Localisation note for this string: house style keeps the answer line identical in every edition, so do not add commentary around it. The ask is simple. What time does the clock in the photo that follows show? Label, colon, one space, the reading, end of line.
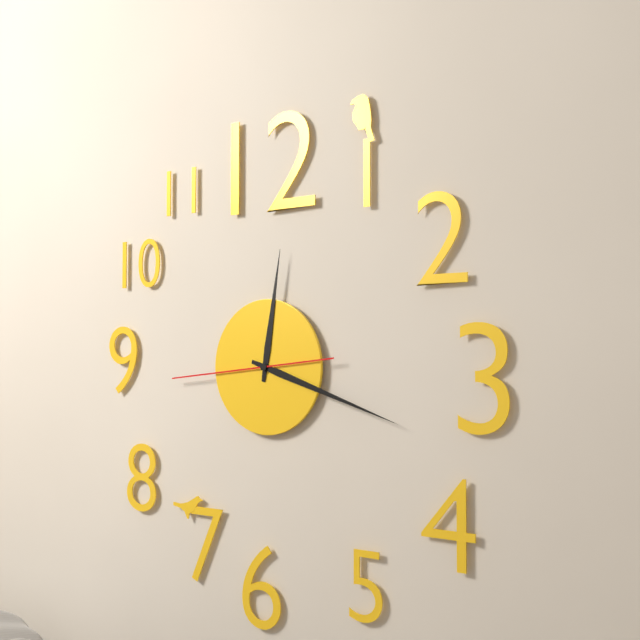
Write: 12:18:44
